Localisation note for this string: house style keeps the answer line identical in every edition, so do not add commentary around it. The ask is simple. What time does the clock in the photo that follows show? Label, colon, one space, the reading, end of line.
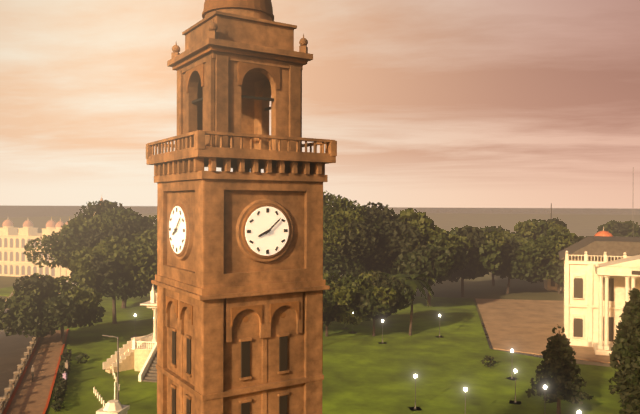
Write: 8:08
